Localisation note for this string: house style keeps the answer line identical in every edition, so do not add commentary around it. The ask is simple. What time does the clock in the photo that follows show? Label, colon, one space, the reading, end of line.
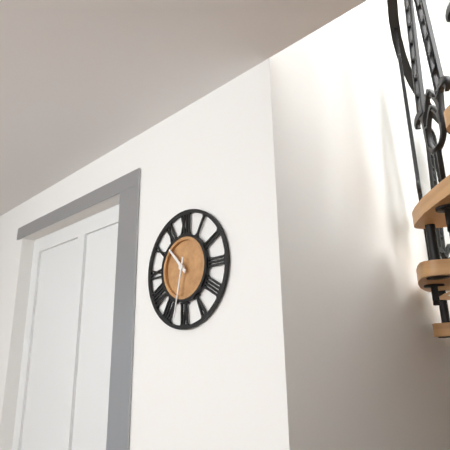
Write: 10:32
